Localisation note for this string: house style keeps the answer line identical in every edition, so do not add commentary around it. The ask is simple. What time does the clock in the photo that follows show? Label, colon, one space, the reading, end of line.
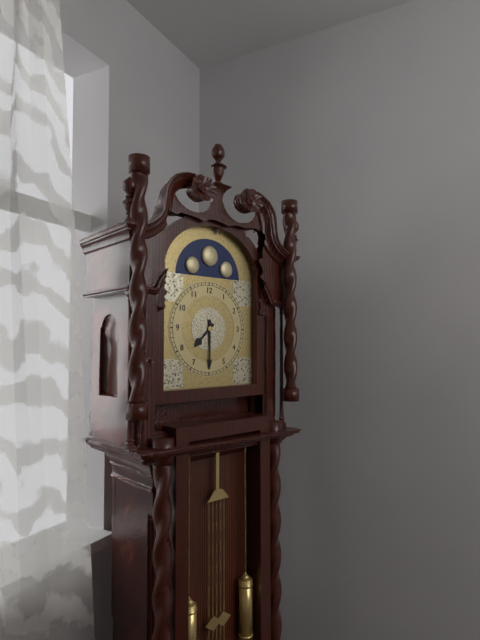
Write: 7:30
